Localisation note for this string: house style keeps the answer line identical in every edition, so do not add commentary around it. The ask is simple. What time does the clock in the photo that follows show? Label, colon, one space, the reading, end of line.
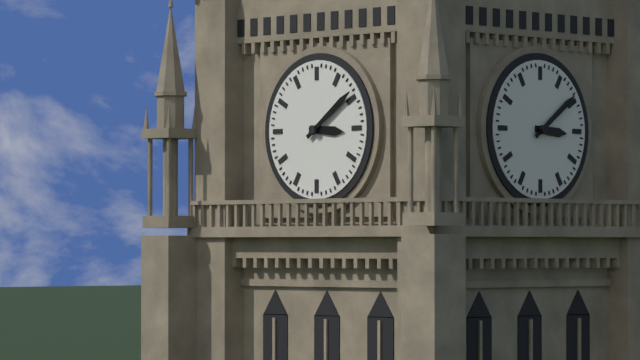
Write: 3:09
